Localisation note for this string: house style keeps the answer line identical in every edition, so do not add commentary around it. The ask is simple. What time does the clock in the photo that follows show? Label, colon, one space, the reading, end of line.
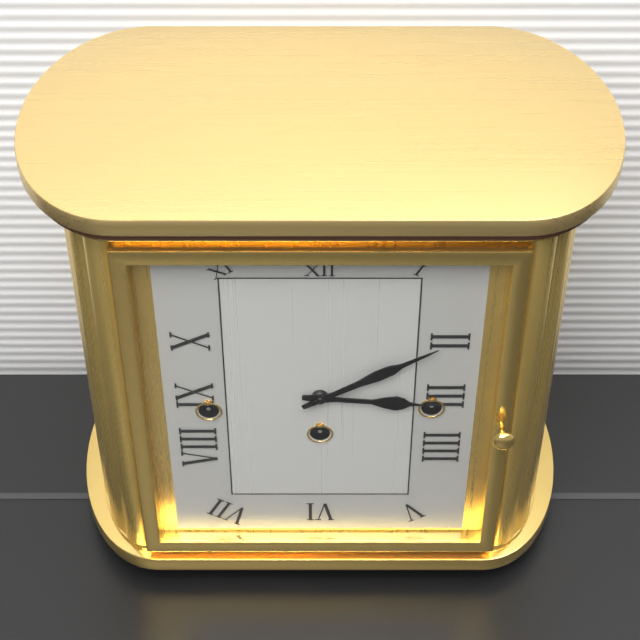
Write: 3:10
